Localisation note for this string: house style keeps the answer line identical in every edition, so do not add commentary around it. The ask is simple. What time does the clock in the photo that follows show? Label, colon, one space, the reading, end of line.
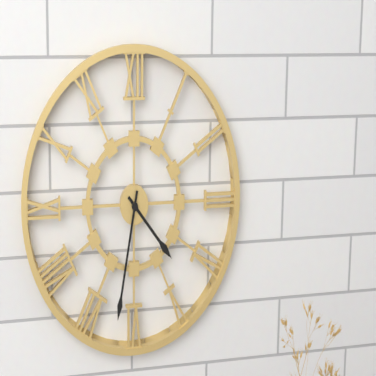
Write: 4:32
